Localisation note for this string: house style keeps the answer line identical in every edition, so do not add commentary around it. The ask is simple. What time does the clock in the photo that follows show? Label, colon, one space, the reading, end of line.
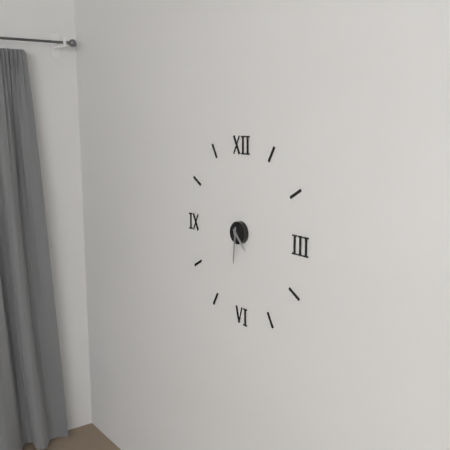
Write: 4:31
